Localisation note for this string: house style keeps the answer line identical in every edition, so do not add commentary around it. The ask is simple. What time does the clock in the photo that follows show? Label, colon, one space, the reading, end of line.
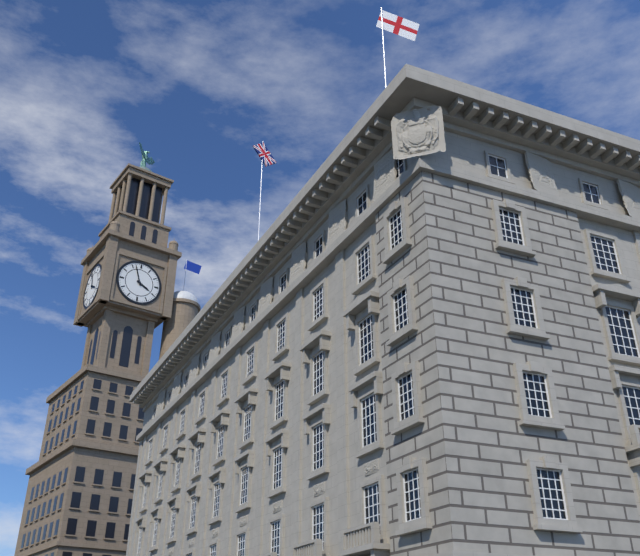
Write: 3:57
